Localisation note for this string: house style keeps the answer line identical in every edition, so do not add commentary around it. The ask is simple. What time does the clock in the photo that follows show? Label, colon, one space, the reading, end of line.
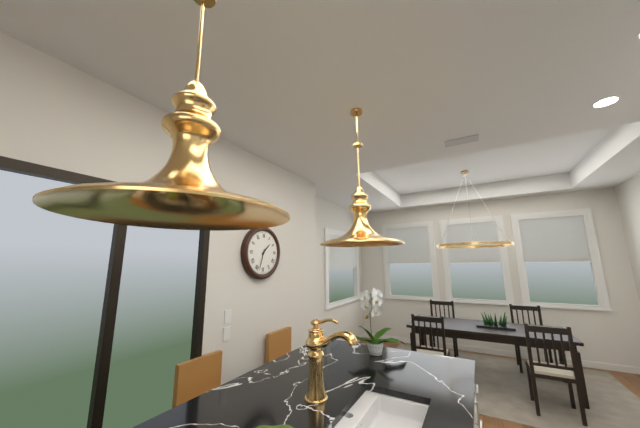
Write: 1:33
